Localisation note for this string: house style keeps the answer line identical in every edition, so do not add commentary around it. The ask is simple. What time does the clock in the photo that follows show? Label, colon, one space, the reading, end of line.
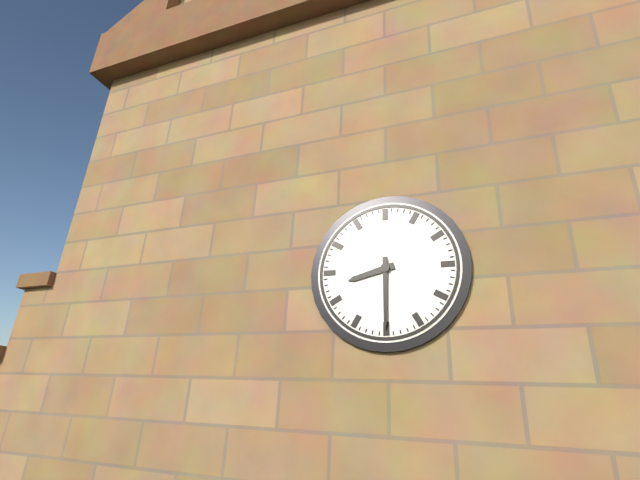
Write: 8:30
